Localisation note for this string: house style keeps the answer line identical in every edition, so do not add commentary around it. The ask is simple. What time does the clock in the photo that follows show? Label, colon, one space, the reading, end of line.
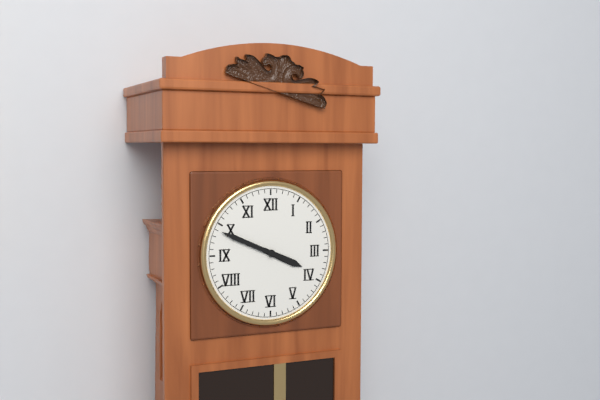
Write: 3:49
